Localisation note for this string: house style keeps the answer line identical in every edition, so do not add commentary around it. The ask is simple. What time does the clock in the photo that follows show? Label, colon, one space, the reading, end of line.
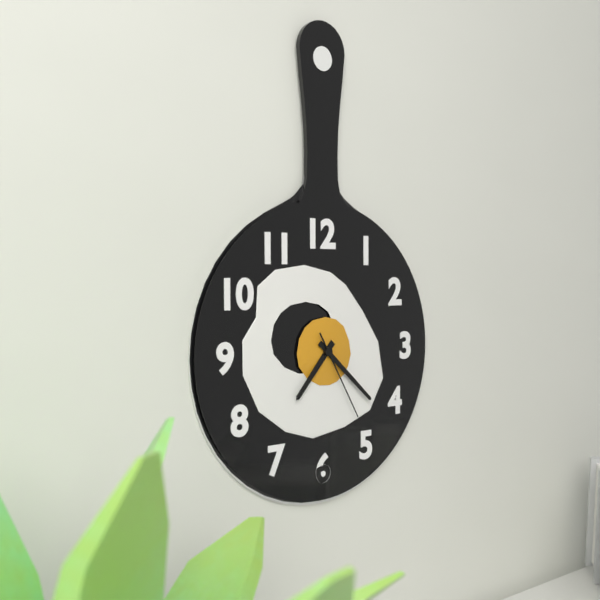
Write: 7:22:25
